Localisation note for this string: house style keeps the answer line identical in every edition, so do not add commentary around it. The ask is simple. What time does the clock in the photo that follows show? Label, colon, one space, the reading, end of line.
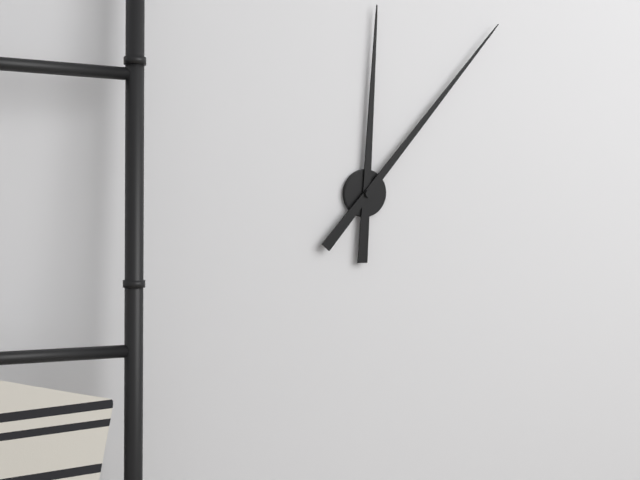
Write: 12:07
